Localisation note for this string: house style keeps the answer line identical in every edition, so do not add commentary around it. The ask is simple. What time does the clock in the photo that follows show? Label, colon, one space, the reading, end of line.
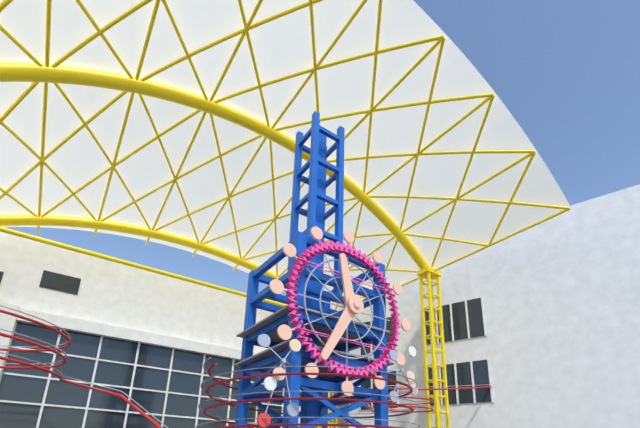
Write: 11:35
